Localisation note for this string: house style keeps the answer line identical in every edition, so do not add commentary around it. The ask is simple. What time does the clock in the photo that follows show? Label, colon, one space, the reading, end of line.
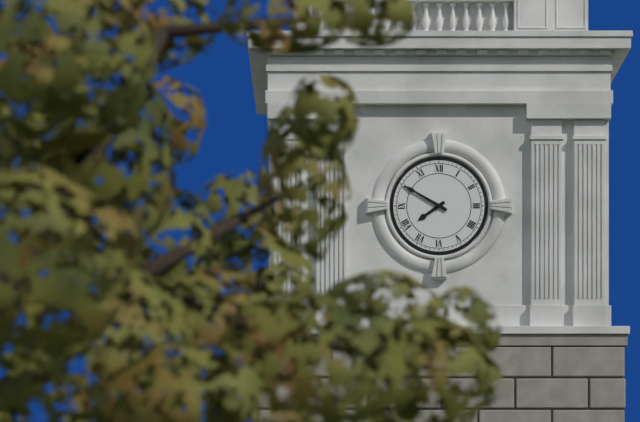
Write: 7:50
